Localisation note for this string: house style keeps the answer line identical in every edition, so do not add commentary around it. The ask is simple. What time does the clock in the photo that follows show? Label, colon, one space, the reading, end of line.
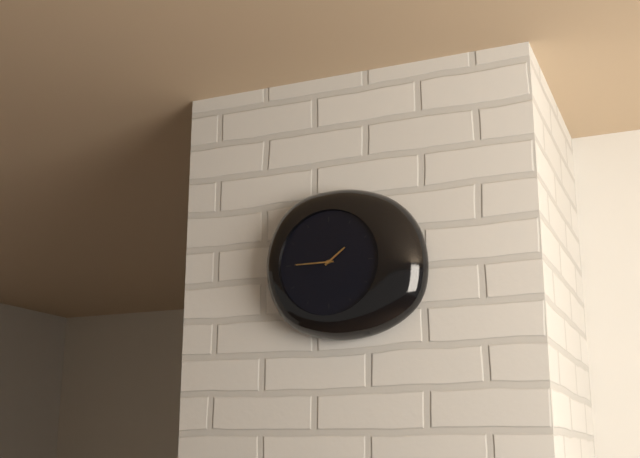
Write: 1:45
